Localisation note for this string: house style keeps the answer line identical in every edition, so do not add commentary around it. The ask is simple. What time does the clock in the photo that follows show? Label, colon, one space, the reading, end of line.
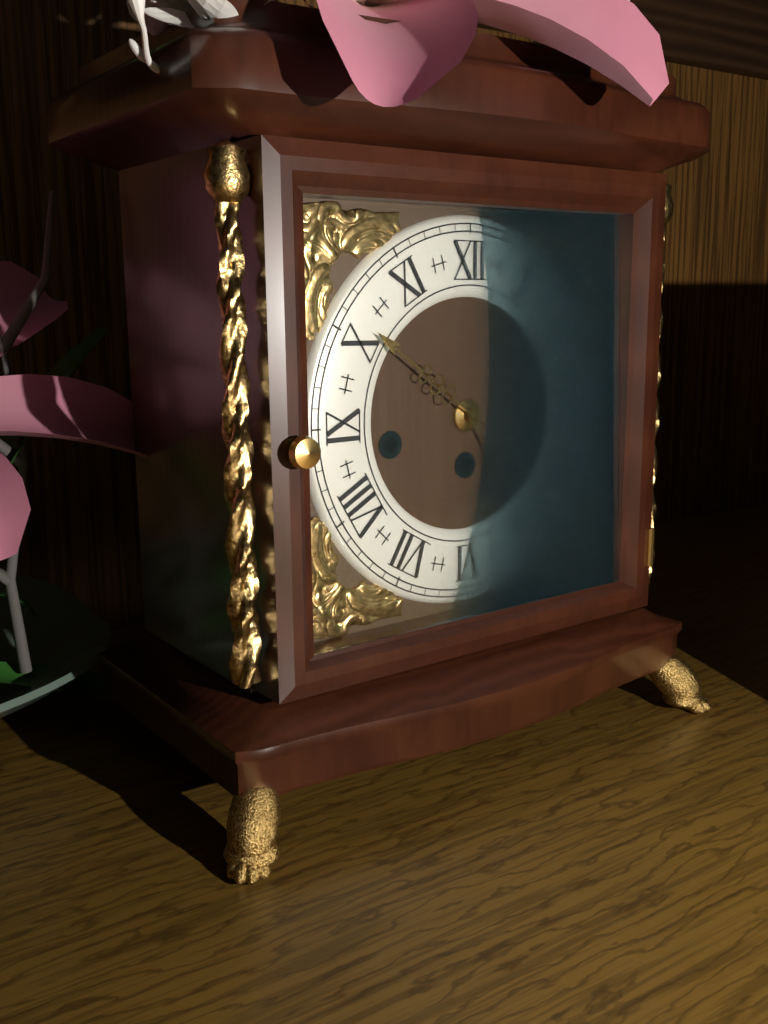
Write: 4:51
